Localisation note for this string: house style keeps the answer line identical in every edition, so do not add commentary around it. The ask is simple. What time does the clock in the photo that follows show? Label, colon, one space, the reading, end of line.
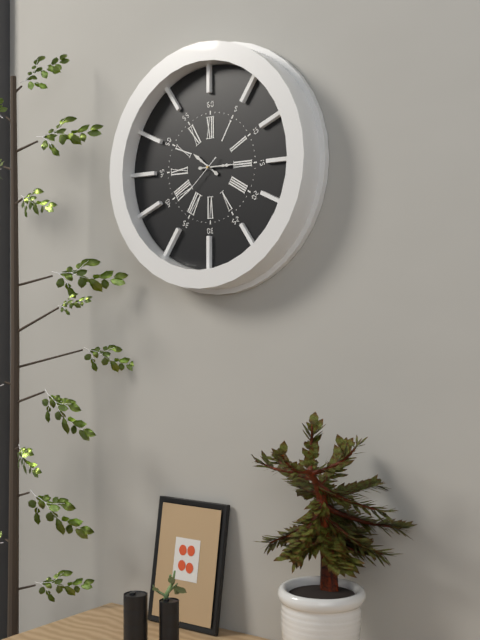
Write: 10:15
